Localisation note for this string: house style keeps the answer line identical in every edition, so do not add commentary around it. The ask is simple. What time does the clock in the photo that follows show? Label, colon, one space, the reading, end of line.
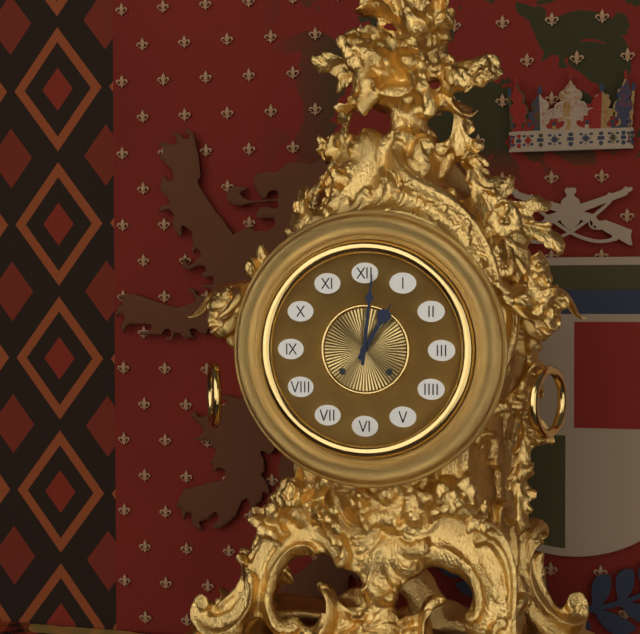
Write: 1:01
